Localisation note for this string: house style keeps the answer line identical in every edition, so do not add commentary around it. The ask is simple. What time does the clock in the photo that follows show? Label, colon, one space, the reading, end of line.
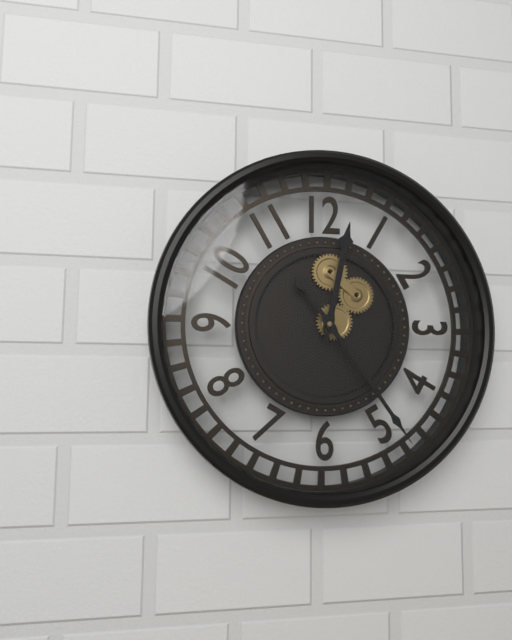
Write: 12:24
